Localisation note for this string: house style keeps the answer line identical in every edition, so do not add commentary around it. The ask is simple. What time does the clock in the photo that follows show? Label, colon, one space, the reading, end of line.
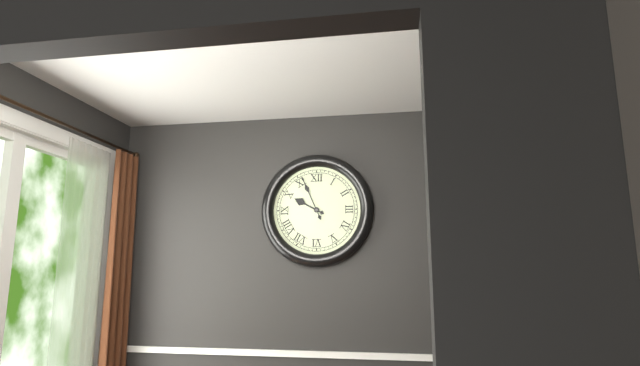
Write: 9:56
